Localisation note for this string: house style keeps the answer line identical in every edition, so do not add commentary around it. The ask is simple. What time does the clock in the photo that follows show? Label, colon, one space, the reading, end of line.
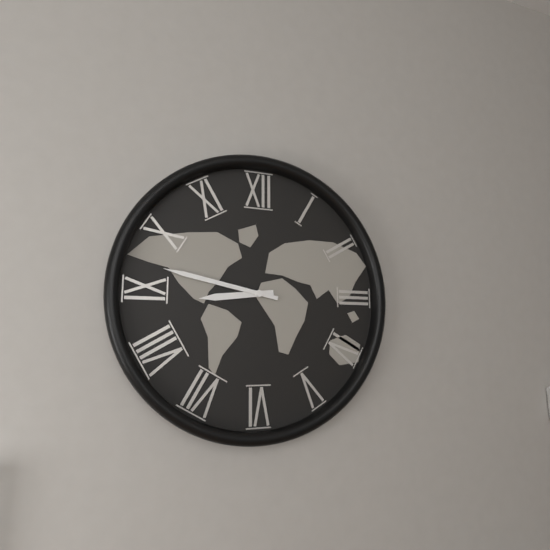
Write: 8:47
